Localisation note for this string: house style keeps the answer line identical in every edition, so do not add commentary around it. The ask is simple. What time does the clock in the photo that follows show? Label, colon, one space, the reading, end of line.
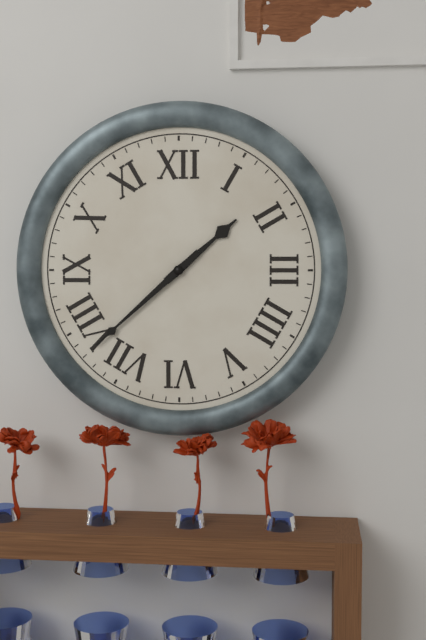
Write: 1:38
